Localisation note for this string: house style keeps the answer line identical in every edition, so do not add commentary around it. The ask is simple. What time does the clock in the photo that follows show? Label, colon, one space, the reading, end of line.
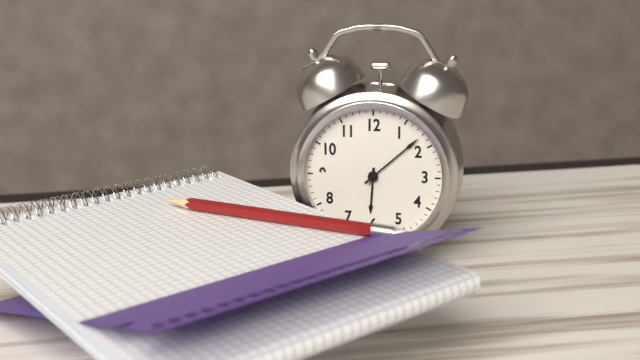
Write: 6:08
